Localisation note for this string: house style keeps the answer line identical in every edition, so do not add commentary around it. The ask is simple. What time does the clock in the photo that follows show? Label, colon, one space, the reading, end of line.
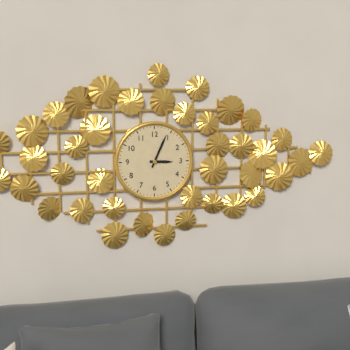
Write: 3:04
